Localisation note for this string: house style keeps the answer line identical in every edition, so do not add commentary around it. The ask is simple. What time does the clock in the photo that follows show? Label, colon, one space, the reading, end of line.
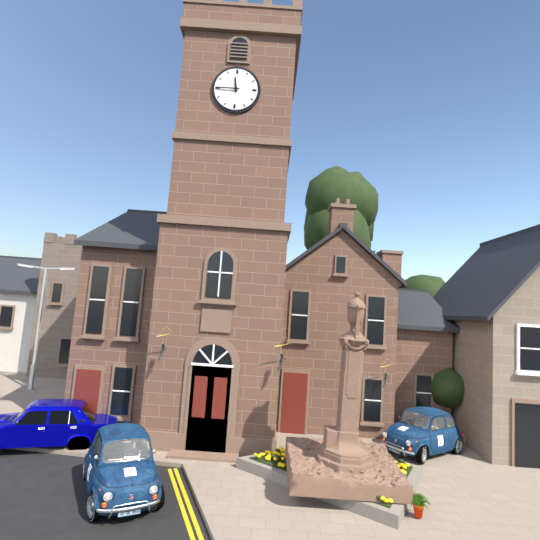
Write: 11:45
